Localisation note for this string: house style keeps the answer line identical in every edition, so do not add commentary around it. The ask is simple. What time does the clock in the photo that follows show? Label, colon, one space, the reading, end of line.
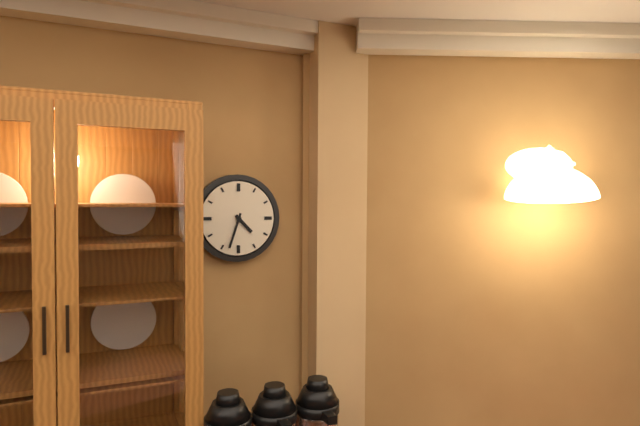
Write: 4:33
